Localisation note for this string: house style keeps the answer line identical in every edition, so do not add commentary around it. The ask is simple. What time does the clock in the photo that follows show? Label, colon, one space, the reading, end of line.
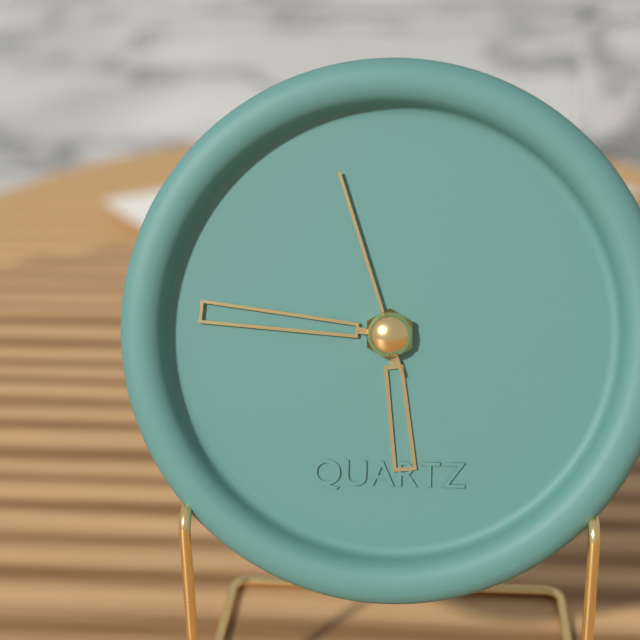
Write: 5:46:57
